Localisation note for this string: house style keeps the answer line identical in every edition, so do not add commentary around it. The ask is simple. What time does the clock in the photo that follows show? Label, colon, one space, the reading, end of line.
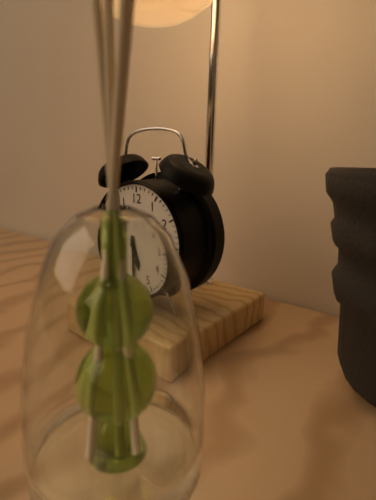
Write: 5:30
